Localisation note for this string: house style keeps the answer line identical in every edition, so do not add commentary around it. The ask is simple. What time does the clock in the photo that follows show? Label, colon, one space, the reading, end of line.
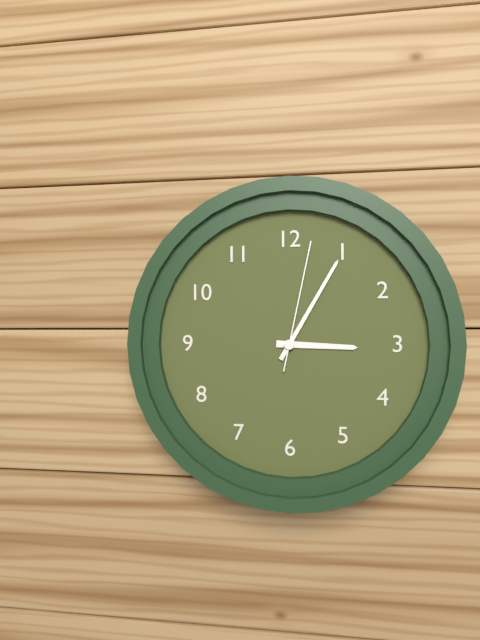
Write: 3:05:02
